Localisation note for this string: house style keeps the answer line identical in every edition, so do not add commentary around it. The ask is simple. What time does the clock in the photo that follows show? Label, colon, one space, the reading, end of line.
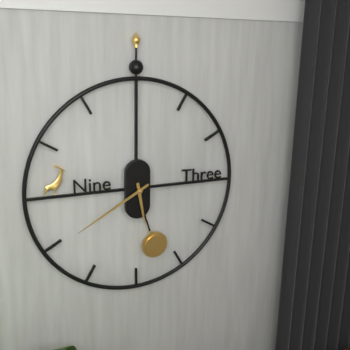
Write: 5:40
